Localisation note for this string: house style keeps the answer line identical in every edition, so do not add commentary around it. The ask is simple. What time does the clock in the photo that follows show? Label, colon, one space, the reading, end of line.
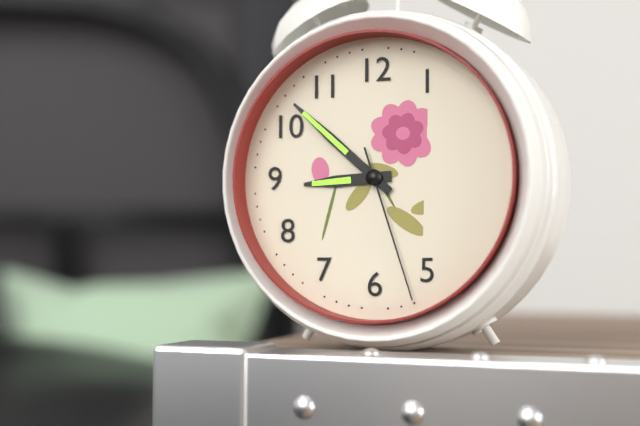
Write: 8:52:27
